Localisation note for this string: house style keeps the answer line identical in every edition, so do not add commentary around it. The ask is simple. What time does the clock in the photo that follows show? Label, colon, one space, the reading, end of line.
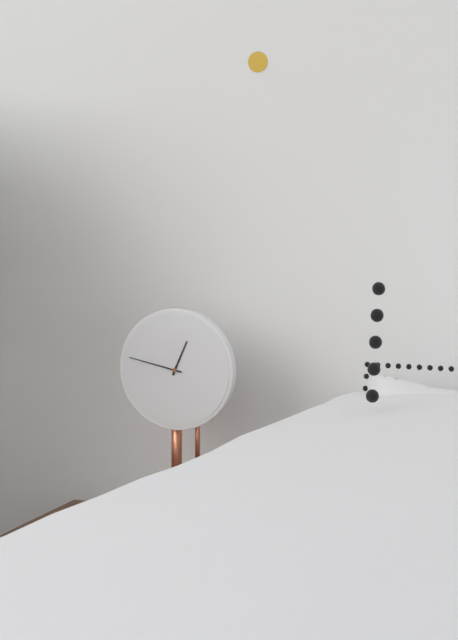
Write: 12:47
